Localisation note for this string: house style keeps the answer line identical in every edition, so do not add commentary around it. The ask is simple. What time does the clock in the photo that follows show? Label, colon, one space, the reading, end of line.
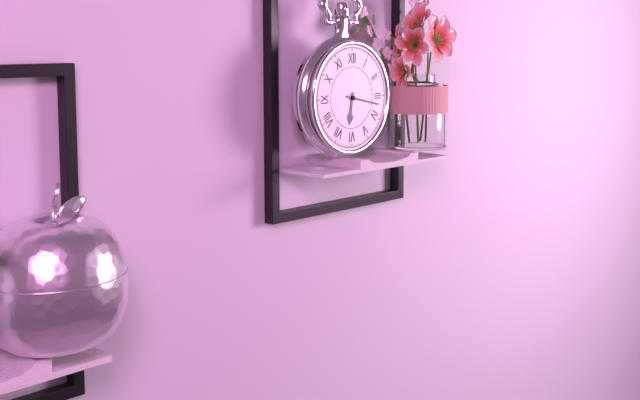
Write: 6:17
